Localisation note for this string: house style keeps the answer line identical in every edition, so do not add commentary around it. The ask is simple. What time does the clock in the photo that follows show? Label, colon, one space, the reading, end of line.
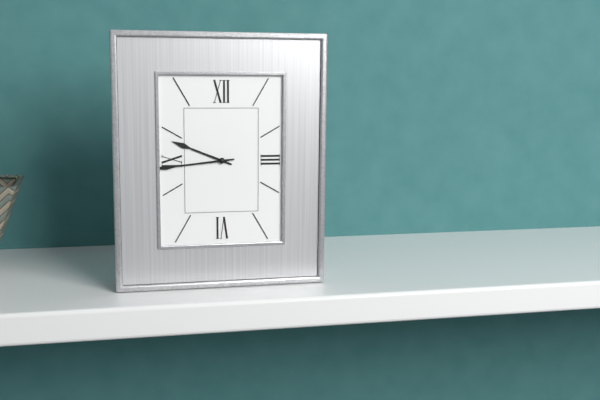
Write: 9:44
